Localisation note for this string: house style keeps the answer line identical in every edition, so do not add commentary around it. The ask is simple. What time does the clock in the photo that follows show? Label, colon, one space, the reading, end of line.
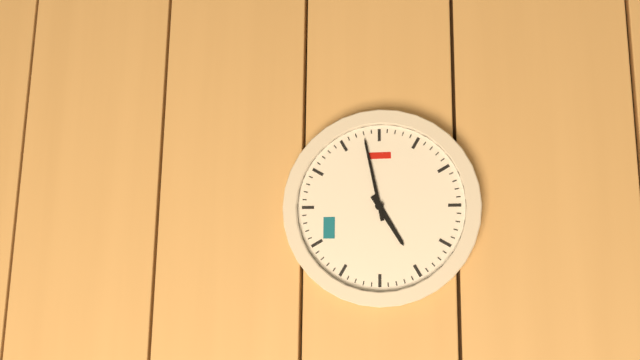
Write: 4:58
